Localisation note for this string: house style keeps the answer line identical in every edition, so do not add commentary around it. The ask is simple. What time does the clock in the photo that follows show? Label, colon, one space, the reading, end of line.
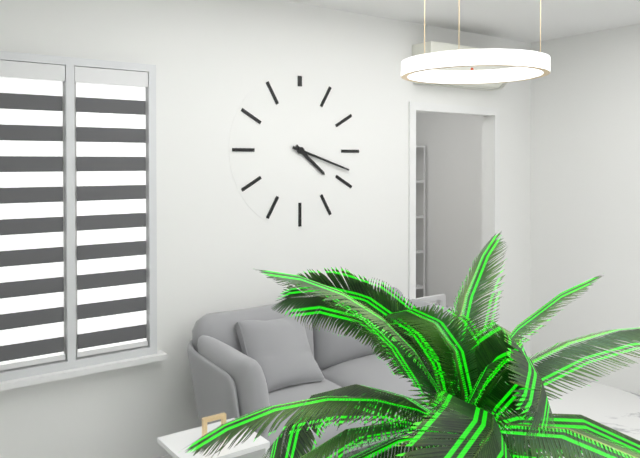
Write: 4:18
